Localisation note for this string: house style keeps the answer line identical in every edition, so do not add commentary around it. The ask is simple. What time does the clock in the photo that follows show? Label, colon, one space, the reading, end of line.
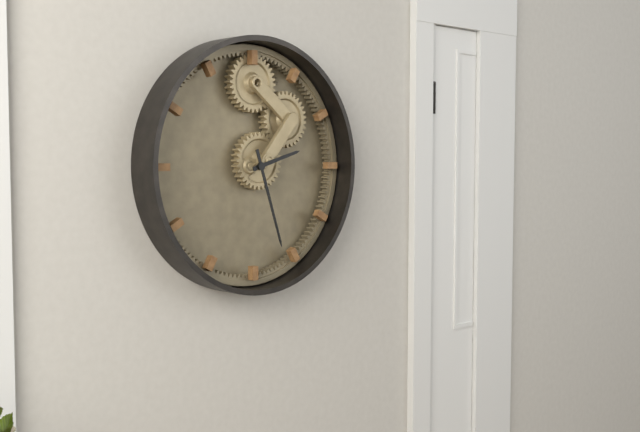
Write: 2:27
